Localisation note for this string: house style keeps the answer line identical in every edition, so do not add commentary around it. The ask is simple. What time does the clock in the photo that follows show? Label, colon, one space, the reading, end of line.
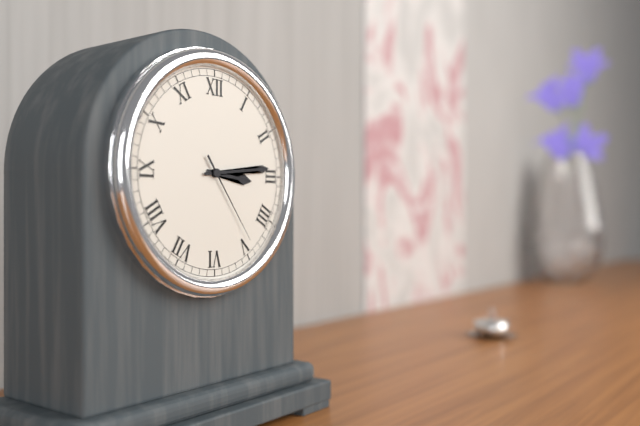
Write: 3:14:24
